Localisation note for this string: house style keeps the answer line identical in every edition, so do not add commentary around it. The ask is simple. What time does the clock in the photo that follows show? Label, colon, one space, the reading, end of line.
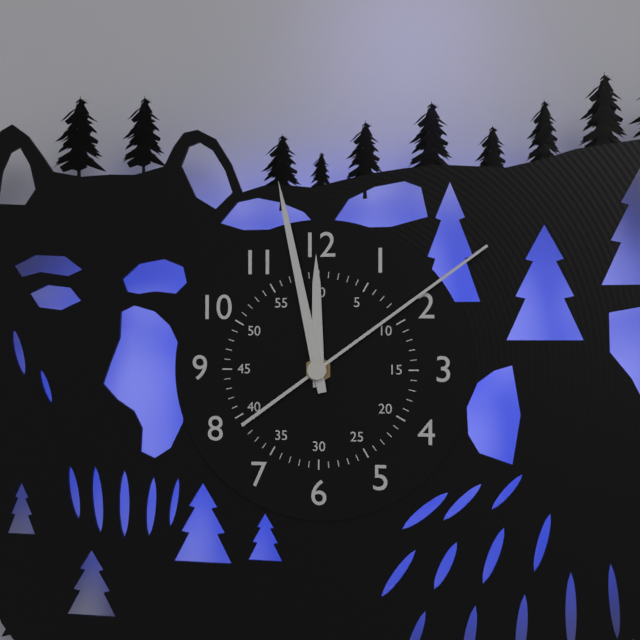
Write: 11:58:09
